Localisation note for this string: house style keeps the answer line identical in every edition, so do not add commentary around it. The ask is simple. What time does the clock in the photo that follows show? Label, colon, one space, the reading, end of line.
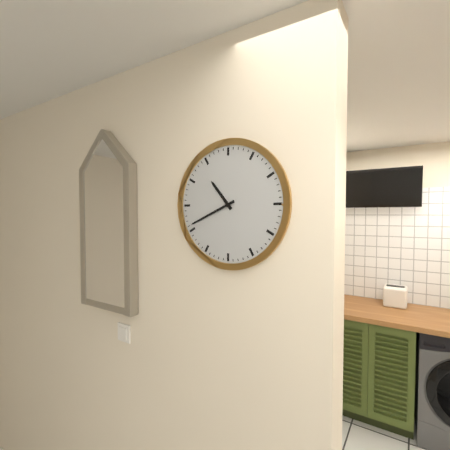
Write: 10:41
